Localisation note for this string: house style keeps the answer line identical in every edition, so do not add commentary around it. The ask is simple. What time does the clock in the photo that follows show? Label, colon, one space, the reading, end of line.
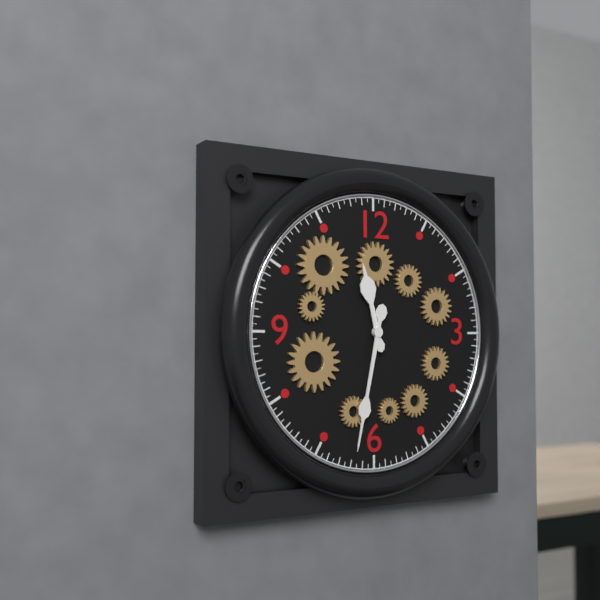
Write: 11:32
